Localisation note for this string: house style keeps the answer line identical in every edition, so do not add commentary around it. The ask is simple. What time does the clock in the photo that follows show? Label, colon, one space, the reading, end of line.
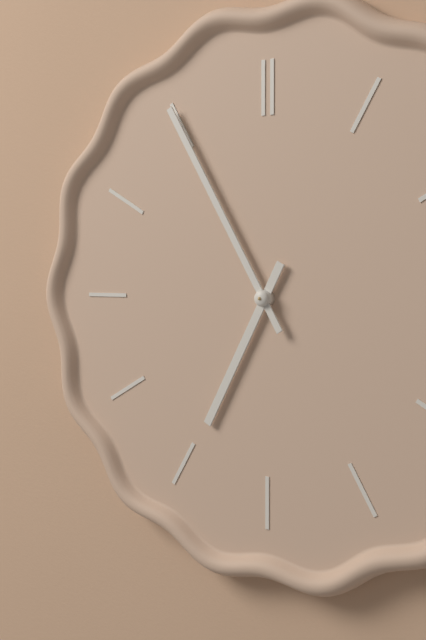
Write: 6:55
